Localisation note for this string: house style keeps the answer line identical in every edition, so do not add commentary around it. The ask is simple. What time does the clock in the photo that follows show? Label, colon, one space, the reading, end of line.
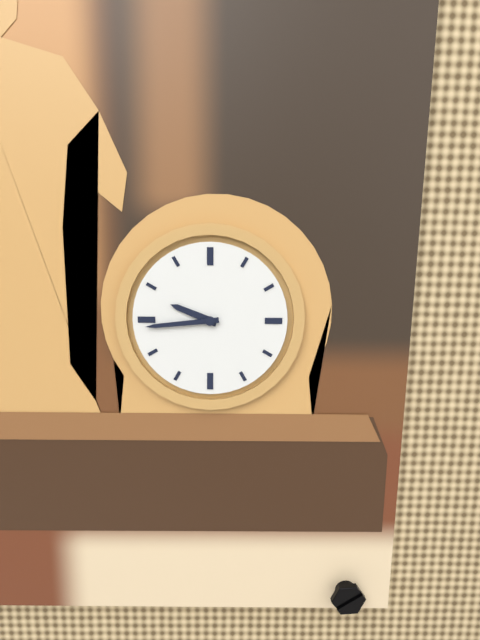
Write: 9:44
